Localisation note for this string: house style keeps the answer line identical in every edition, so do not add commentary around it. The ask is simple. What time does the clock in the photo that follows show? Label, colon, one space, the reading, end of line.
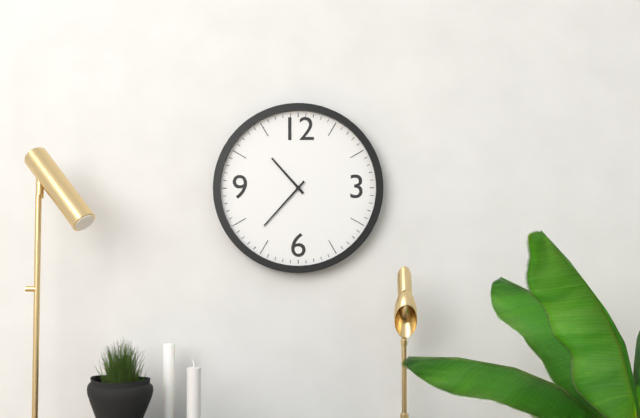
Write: 10:37
